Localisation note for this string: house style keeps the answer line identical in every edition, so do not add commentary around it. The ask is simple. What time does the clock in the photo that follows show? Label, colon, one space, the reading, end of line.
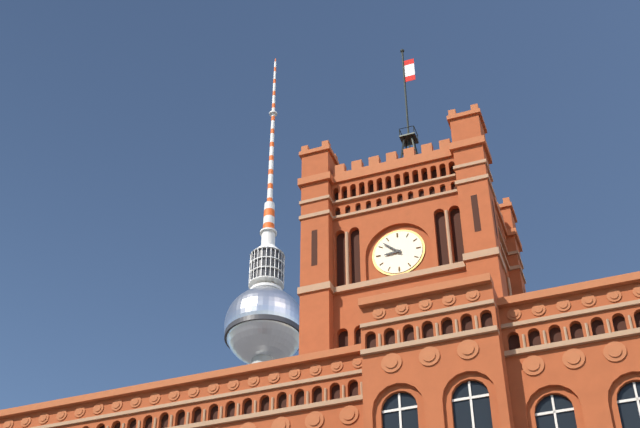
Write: 8:52
